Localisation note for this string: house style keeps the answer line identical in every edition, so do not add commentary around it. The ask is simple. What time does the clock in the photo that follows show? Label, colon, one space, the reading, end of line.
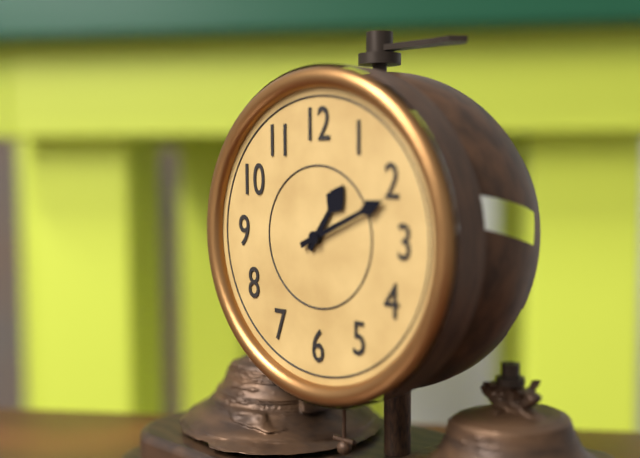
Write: 1:11
